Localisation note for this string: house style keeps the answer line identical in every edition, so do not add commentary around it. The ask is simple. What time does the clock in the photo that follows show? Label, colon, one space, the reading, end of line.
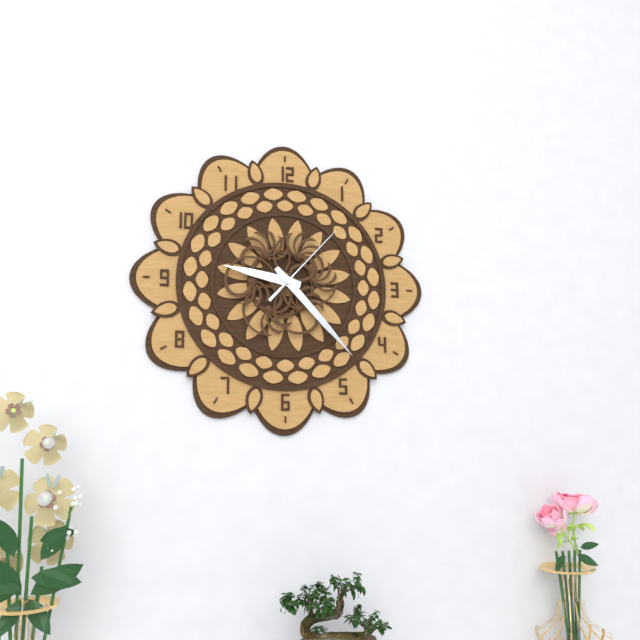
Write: 9:23:07
